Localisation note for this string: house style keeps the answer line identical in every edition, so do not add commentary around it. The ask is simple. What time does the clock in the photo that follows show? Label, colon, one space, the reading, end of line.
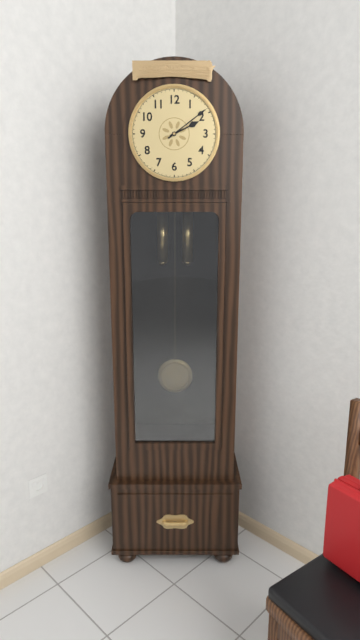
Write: 2:09
